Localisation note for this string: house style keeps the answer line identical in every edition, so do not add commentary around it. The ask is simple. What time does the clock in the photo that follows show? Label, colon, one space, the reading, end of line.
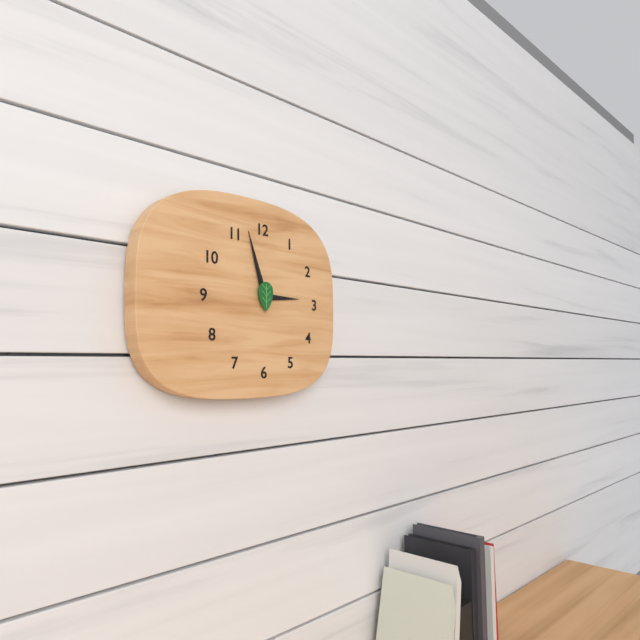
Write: 2:57
